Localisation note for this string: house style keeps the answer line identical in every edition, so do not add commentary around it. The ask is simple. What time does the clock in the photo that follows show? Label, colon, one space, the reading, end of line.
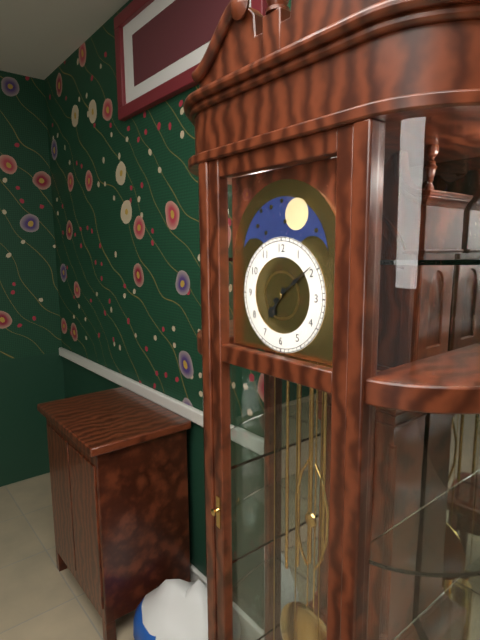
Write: 7:09
